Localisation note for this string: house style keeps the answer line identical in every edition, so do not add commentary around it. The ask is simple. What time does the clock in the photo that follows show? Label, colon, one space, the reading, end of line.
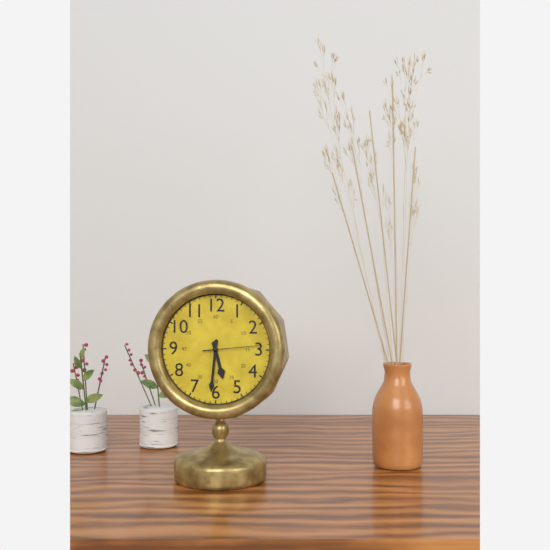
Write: 5:31:14
